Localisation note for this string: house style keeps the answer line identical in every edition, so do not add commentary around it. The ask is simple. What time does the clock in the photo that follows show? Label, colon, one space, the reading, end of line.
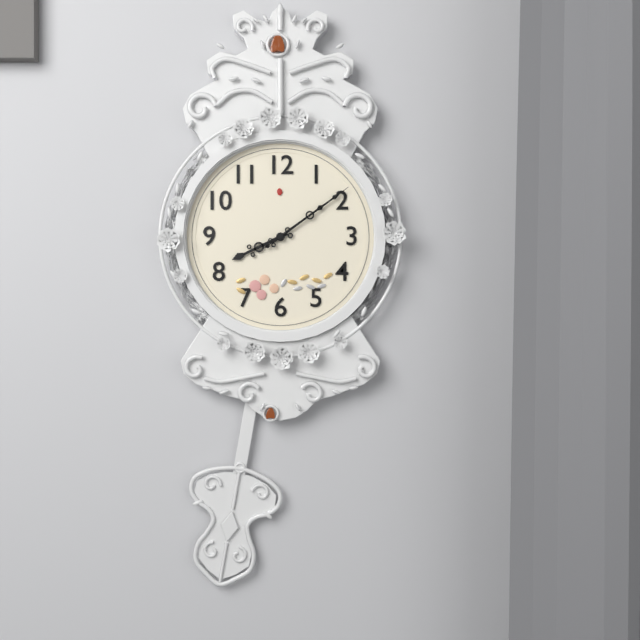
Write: 8:09:09
